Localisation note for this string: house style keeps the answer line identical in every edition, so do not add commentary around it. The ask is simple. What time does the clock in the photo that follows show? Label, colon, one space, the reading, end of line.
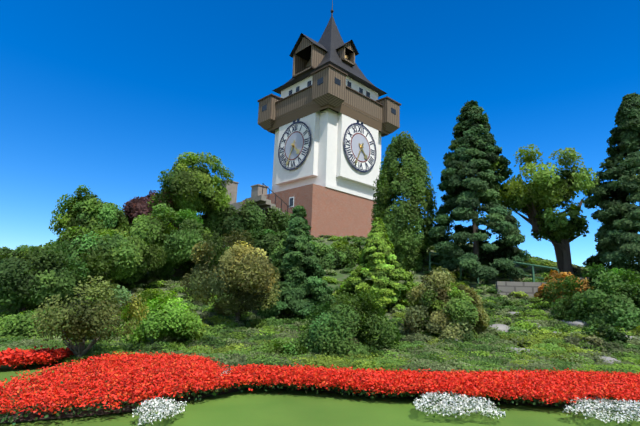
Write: 4:34
